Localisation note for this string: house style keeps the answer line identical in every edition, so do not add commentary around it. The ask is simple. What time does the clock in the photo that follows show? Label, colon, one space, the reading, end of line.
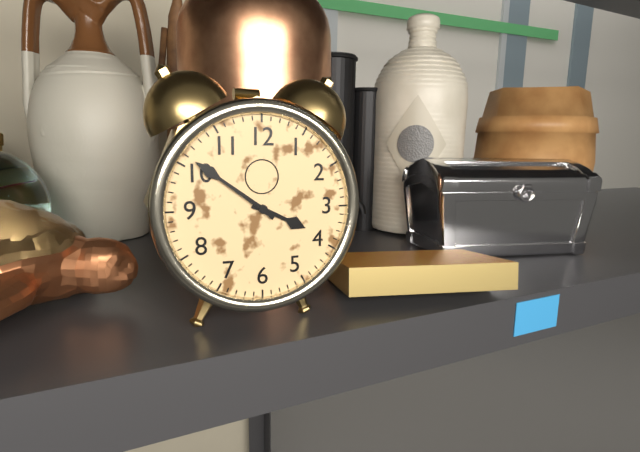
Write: 3:51
